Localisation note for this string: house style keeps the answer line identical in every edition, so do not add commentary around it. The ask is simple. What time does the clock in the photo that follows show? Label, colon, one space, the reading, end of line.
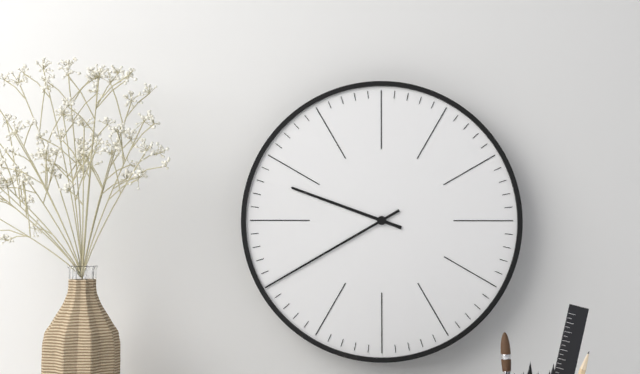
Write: 9:40
